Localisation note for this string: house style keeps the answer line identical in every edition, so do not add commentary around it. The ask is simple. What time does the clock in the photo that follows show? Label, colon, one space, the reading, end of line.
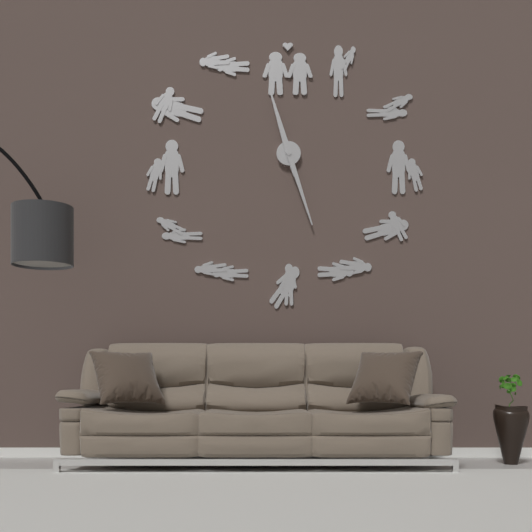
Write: 11:27
